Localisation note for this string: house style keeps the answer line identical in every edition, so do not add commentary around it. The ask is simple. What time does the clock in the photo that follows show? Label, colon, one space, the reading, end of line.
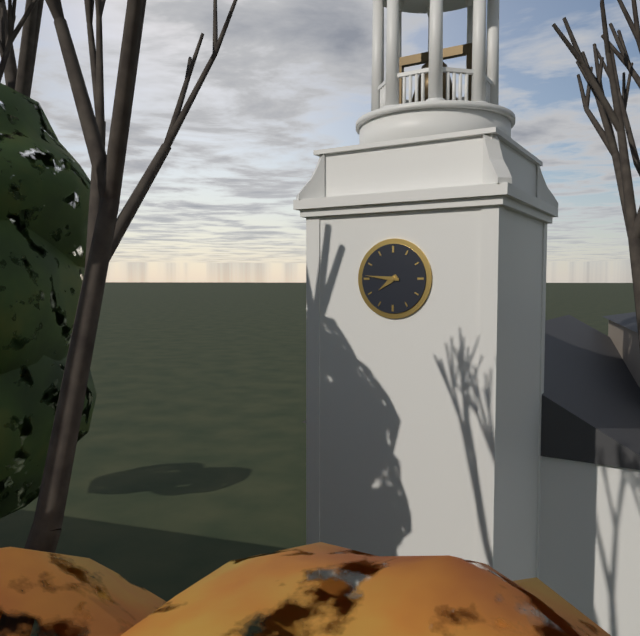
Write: 7:46
